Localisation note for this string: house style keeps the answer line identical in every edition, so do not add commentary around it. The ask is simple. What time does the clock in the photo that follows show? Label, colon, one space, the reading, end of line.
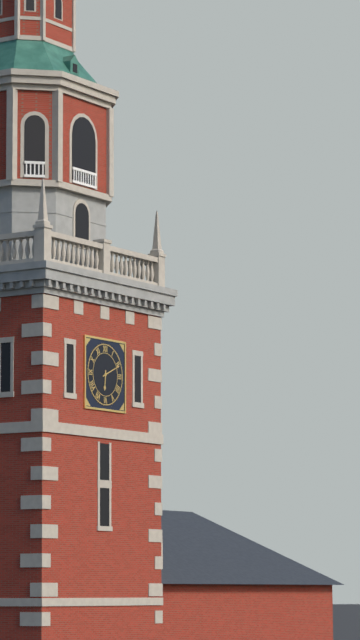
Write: 6:11
